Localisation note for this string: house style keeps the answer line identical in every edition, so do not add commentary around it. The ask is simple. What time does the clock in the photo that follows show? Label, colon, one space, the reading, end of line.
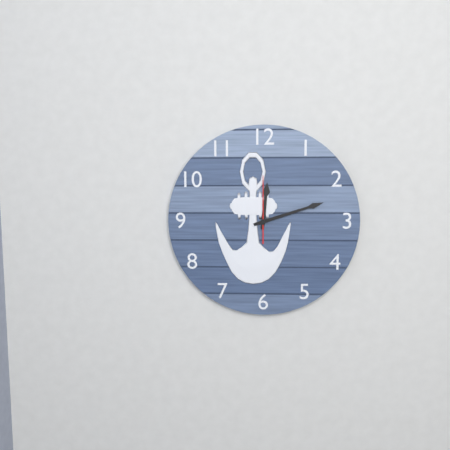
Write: 12:12:00
